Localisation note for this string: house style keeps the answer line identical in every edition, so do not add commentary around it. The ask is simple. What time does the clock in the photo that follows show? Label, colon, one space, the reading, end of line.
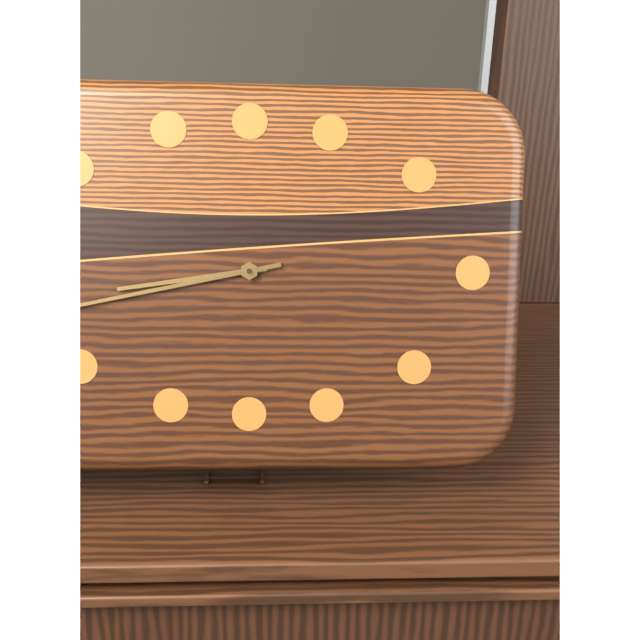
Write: 8:43
